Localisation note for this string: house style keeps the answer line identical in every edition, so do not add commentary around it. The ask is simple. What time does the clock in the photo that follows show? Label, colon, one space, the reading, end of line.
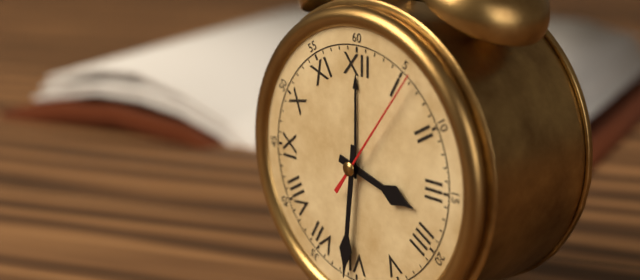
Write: 3:31:06
